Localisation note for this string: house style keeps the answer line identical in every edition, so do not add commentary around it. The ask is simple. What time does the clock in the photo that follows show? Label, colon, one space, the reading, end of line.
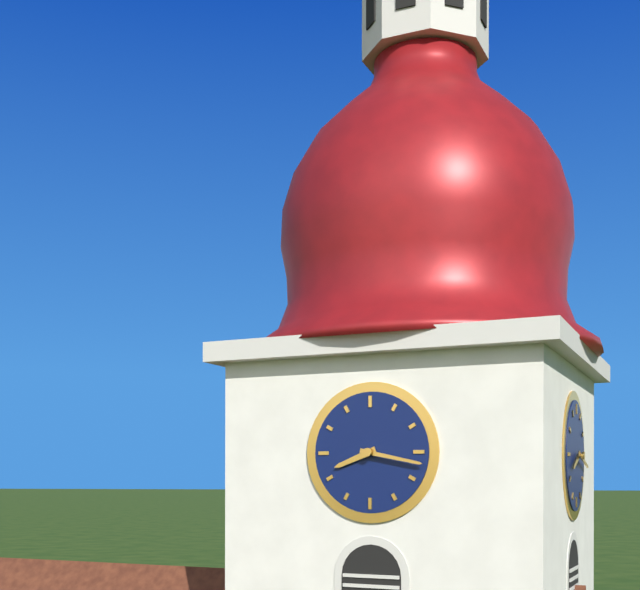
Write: 8:17
